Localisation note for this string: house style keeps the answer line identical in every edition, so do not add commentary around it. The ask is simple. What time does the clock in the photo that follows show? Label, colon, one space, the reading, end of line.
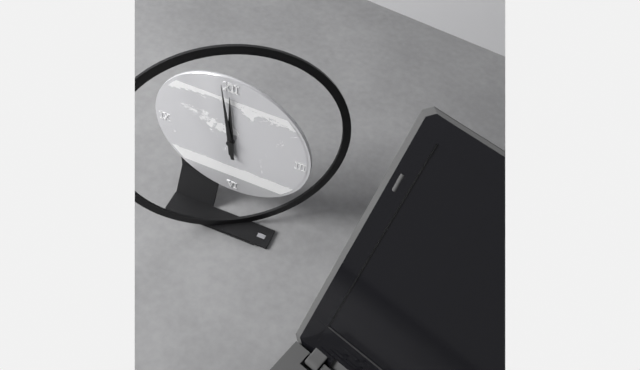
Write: 11:59
